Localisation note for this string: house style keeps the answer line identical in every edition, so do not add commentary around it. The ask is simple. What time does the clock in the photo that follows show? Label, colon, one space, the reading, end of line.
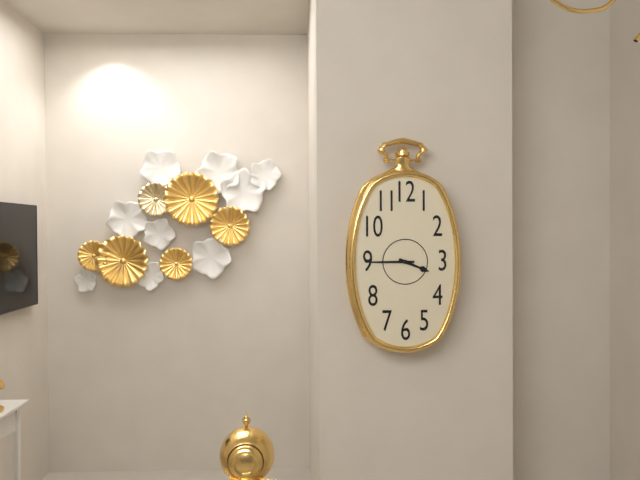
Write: 3:45
